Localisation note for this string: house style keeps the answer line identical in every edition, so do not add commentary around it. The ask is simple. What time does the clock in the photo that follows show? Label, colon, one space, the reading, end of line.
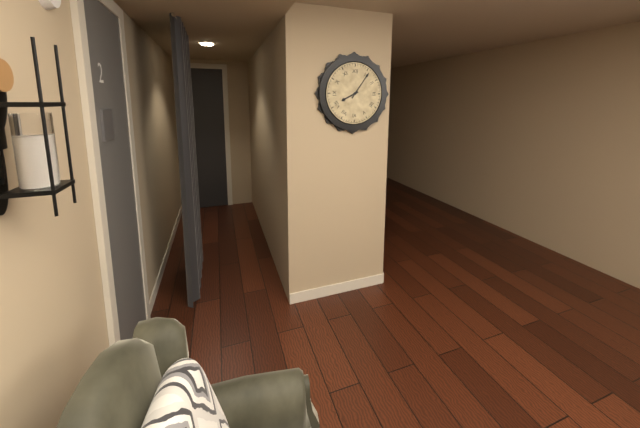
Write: 8:06
